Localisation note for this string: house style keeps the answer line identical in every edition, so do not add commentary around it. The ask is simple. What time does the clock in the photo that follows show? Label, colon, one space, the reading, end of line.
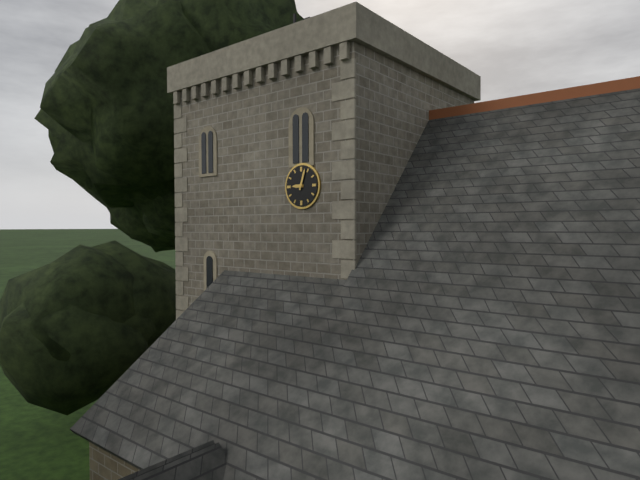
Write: 9:03
